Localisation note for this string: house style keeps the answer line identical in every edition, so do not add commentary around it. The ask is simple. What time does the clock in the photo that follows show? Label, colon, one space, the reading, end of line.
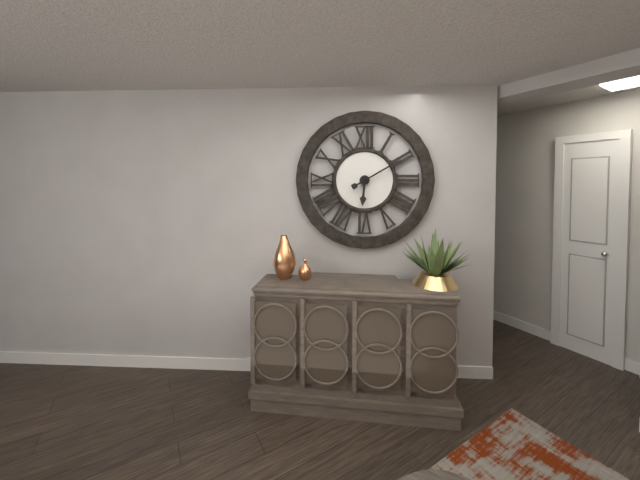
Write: 6:10
